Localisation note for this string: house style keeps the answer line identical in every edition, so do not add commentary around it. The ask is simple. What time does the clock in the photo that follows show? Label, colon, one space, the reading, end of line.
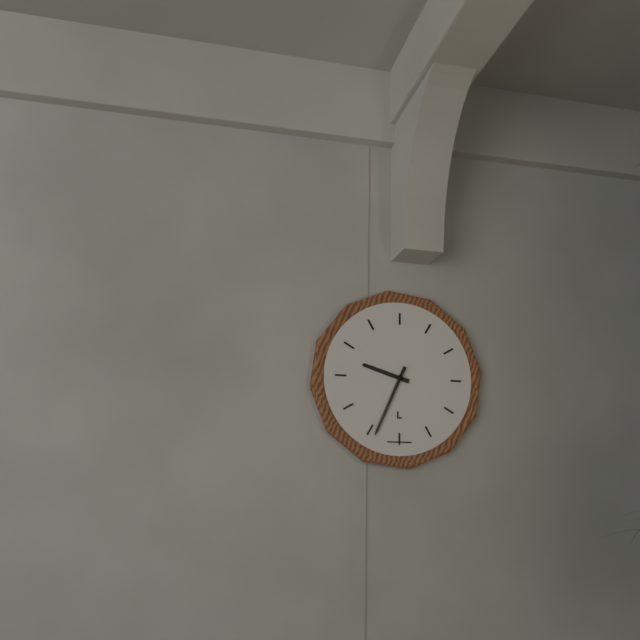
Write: 9:34
